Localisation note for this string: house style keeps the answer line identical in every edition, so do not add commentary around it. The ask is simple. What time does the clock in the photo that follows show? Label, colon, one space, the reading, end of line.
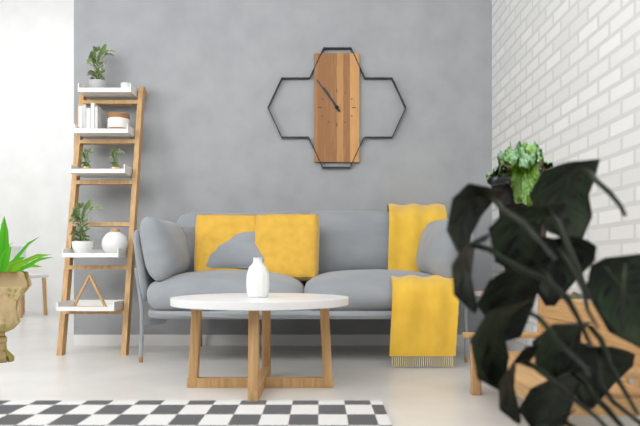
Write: 10:54
